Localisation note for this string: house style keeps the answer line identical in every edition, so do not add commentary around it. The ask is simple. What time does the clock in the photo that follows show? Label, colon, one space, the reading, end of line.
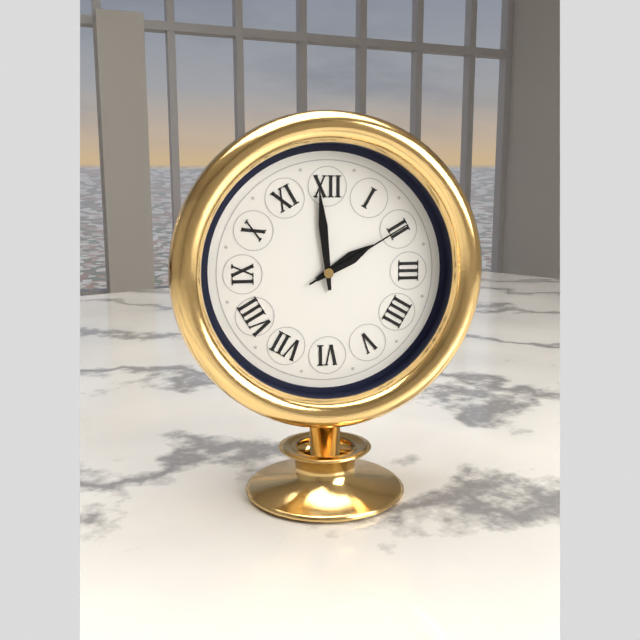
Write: 1:59:10
